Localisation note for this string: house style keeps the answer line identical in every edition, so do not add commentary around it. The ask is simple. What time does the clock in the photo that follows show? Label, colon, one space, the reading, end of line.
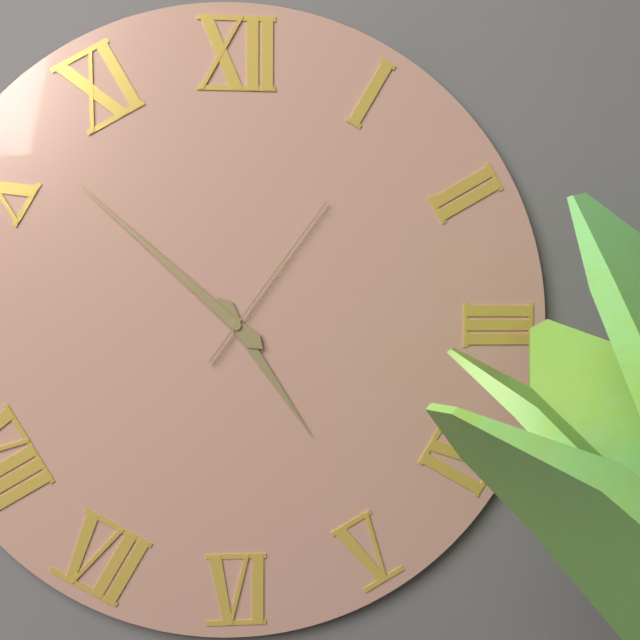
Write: 4:52:06
